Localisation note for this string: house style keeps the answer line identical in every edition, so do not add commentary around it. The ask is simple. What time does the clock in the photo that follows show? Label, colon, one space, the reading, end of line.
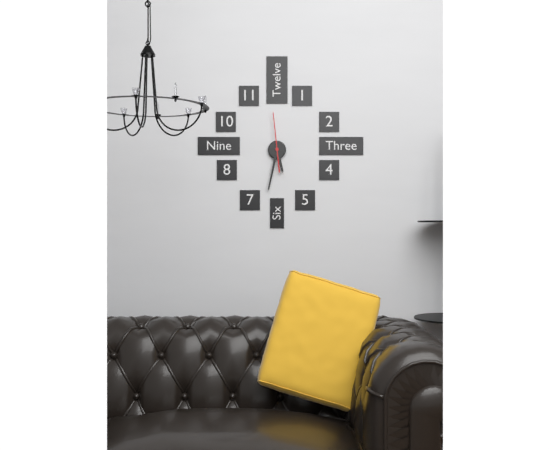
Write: 5:32
